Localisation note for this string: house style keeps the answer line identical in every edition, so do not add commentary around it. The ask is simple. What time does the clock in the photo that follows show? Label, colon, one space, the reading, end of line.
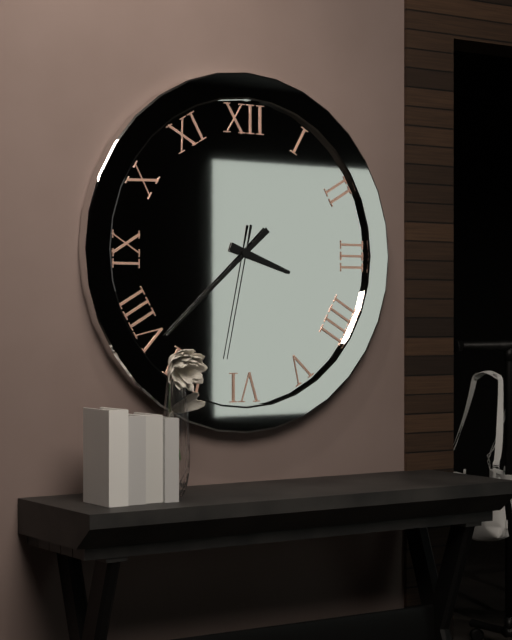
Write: 3:38:32
